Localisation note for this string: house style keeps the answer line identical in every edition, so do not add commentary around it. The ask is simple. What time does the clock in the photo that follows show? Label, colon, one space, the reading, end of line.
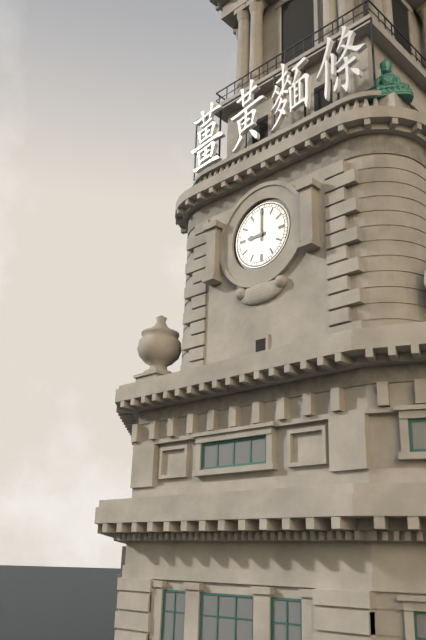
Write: 9:00
